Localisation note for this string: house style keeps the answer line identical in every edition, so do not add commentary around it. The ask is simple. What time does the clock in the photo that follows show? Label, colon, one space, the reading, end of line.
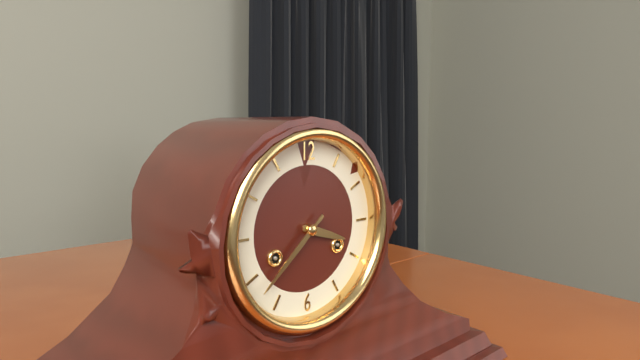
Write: 3:38
